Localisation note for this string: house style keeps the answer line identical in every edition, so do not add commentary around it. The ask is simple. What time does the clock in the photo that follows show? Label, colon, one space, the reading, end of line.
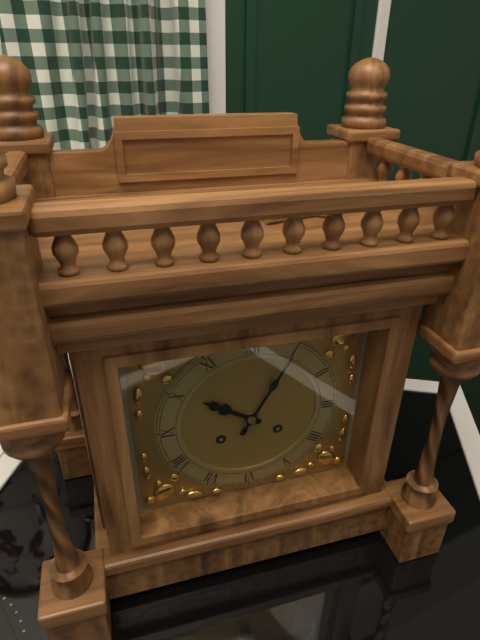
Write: 10:05
